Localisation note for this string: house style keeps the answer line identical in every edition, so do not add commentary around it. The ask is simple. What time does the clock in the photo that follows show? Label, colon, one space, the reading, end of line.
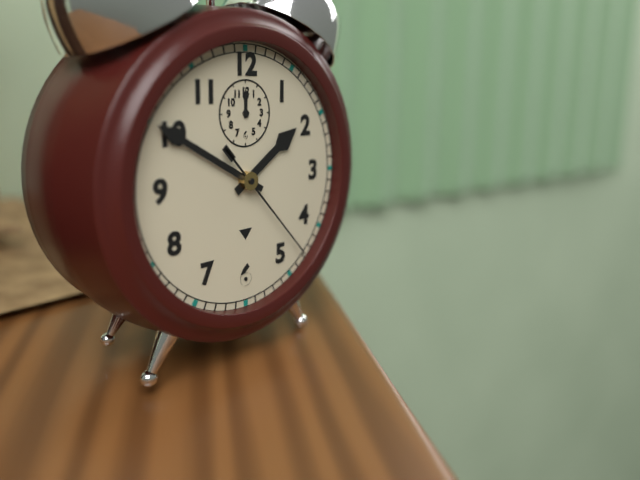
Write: 1:50:23
